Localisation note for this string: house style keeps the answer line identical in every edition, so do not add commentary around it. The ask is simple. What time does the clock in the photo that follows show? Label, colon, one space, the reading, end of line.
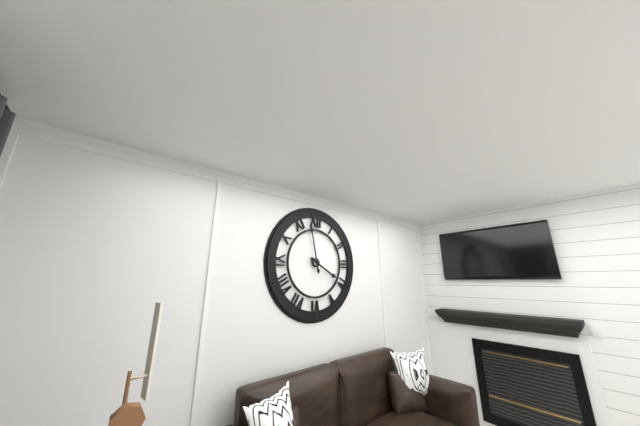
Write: 3:58
